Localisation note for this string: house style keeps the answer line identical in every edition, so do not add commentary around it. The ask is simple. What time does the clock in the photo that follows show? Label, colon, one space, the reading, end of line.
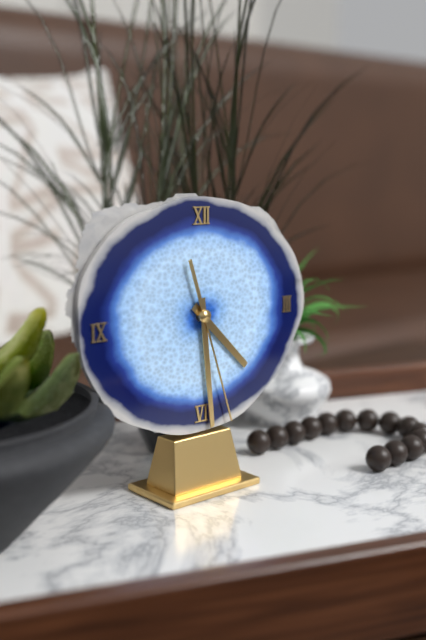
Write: 4:29:27
